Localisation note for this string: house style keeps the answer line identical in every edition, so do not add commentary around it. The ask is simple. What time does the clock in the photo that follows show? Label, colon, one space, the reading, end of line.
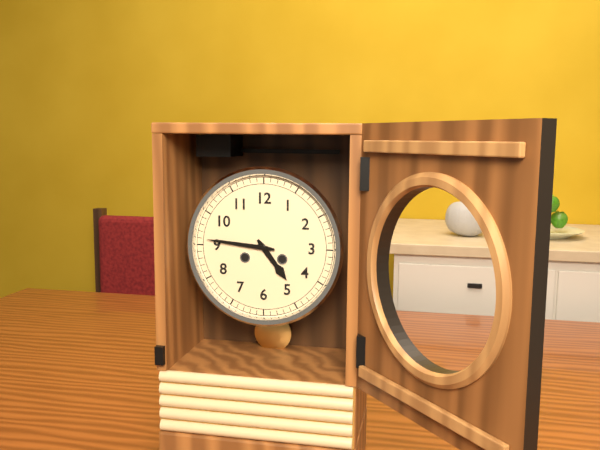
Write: 4:46
